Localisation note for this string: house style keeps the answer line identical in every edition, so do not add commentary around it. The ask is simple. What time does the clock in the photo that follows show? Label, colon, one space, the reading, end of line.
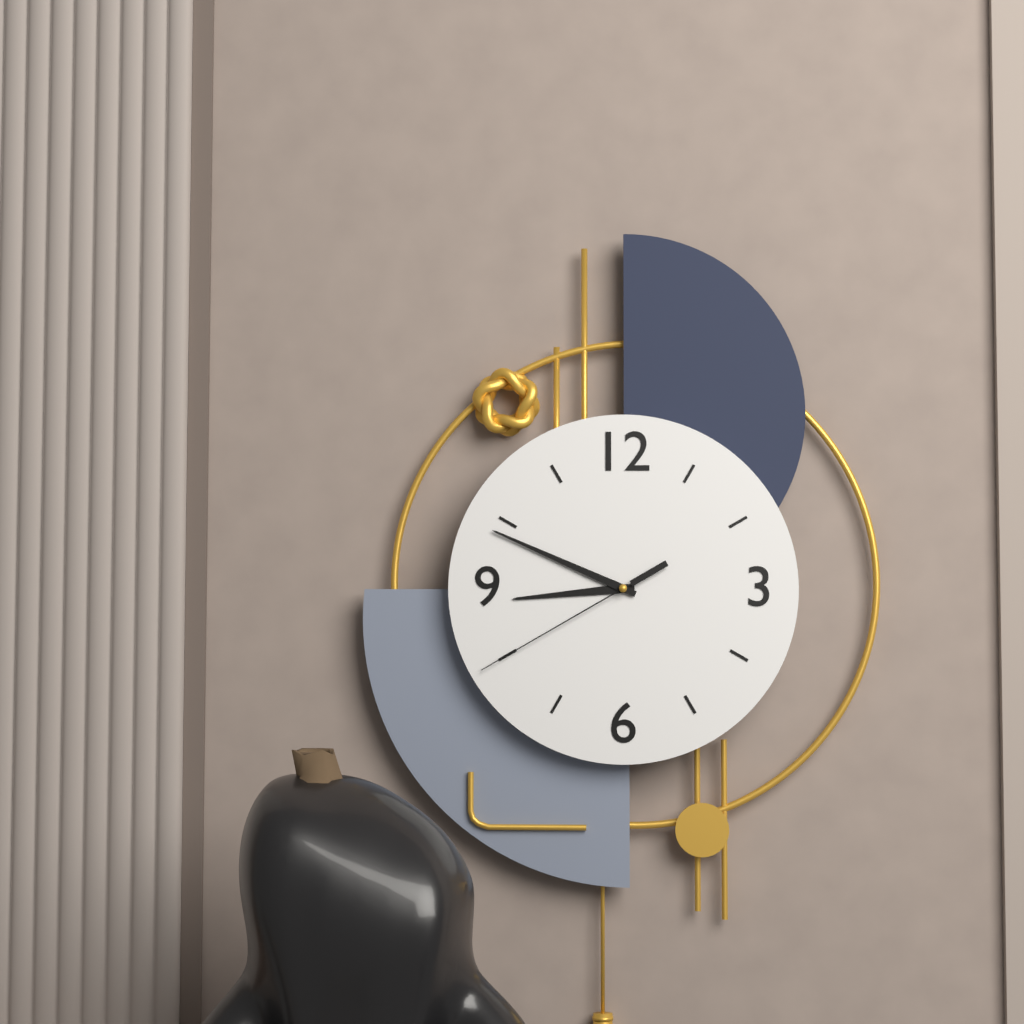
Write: 8:49:40
